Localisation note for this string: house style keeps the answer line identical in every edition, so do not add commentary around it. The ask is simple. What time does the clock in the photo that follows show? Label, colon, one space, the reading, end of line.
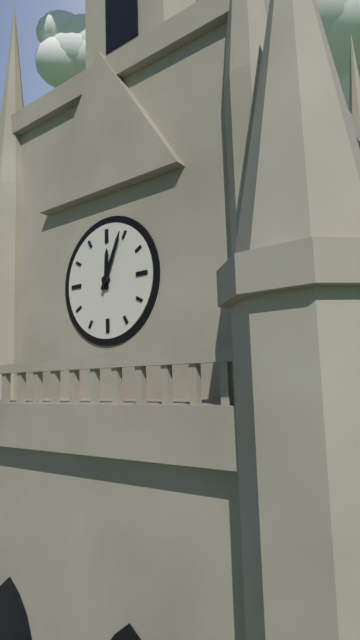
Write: 12:04
